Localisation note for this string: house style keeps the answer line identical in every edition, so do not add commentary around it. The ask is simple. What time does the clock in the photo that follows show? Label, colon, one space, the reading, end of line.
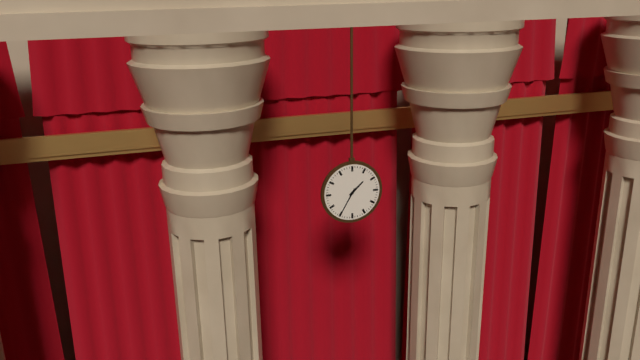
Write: 1:35
